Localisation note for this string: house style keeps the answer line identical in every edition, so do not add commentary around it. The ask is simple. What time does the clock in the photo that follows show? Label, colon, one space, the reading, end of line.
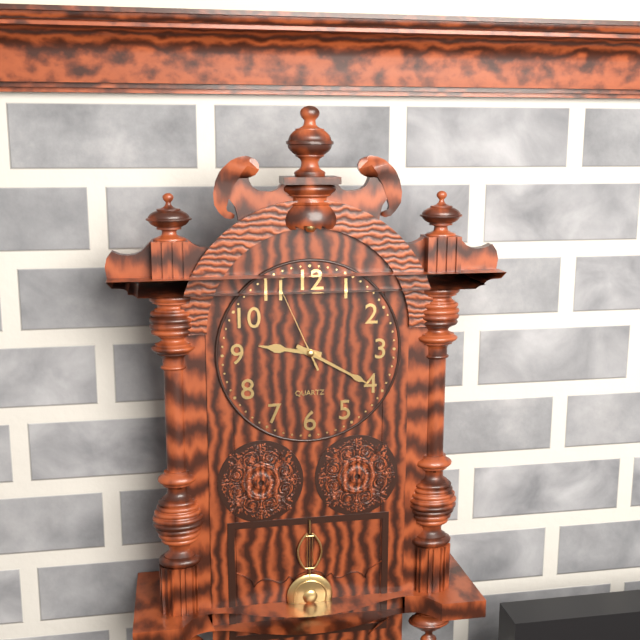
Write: 9:20:56
